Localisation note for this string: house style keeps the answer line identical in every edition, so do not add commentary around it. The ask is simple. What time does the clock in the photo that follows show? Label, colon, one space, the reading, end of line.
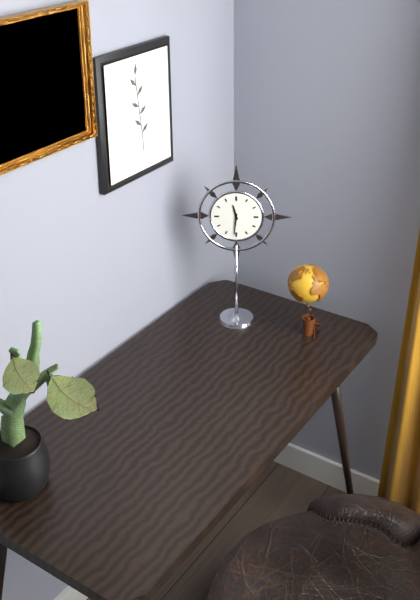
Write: 11:31
